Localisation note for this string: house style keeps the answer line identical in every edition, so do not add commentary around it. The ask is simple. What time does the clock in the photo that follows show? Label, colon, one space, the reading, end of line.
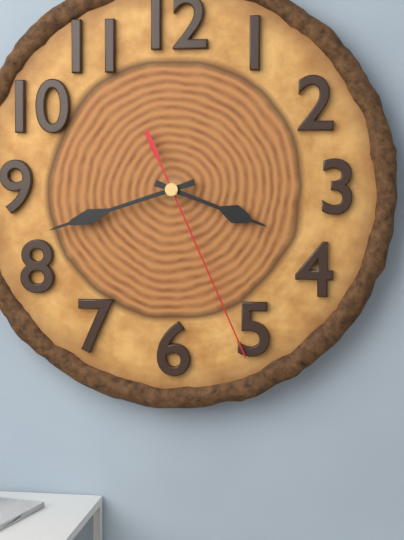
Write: 3:42:26
